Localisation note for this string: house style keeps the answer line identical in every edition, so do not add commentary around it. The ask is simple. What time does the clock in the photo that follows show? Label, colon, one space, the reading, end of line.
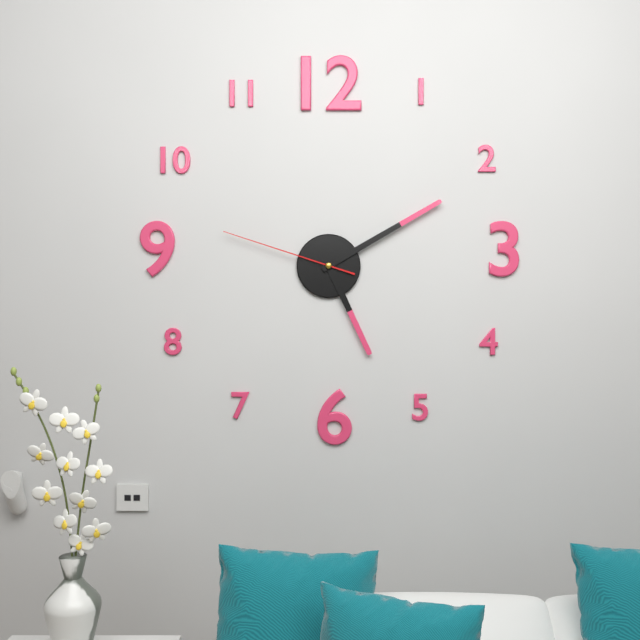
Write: 5:10:48
